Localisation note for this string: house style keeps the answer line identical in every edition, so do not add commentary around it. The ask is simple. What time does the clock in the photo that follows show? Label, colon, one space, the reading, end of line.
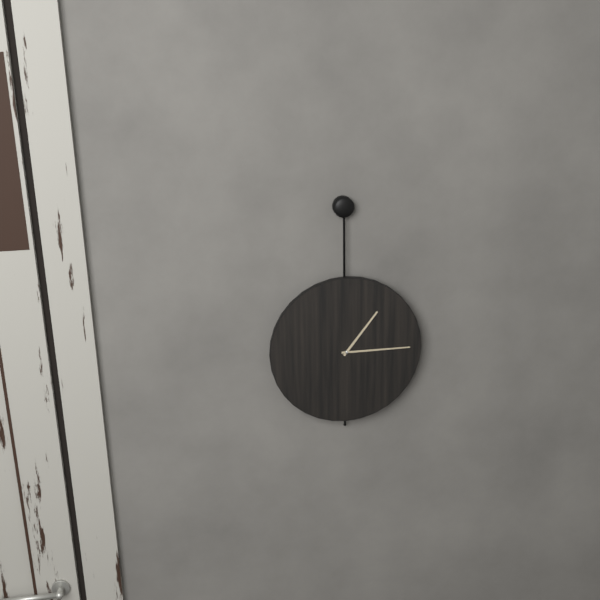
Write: 1:15
